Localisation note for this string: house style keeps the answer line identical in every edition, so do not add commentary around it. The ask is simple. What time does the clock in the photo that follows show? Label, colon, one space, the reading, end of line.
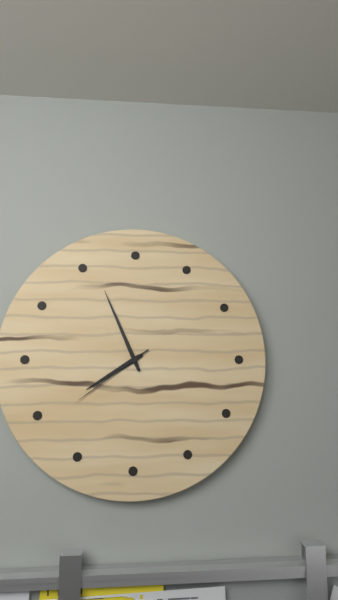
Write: 7:56:39
